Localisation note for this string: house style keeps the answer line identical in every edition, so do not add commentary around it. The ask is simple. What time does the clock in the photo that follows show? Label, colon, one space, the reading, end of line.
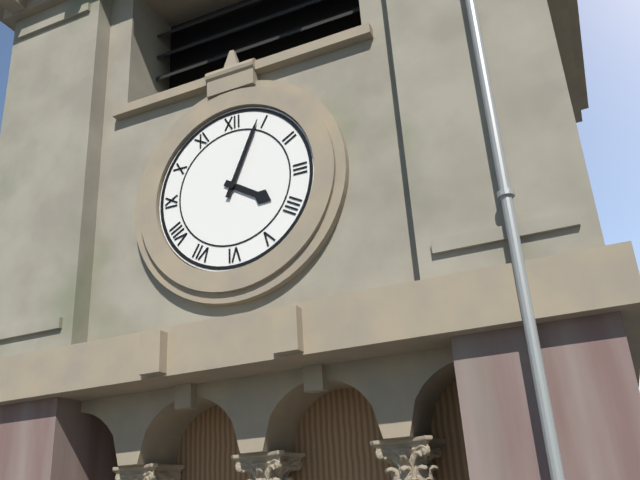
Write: 4:04
